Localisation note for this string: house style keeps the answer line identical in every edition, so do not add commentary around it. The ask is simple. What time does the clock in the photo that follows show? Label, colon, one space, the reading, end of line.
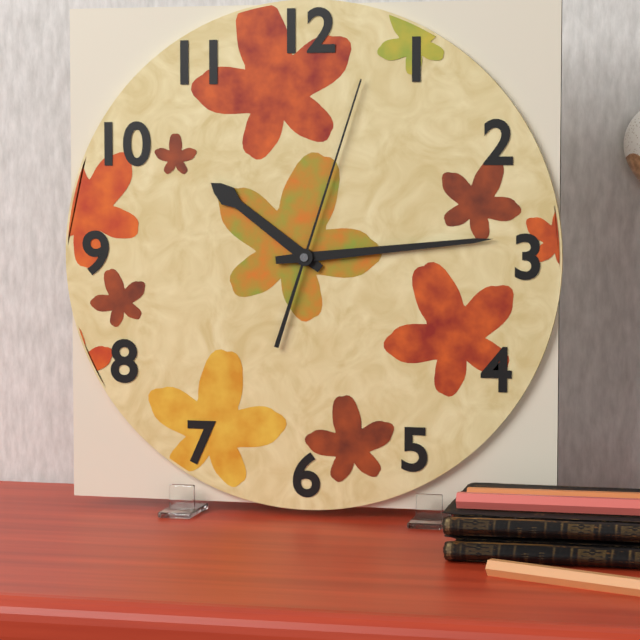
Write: 10:14:03
